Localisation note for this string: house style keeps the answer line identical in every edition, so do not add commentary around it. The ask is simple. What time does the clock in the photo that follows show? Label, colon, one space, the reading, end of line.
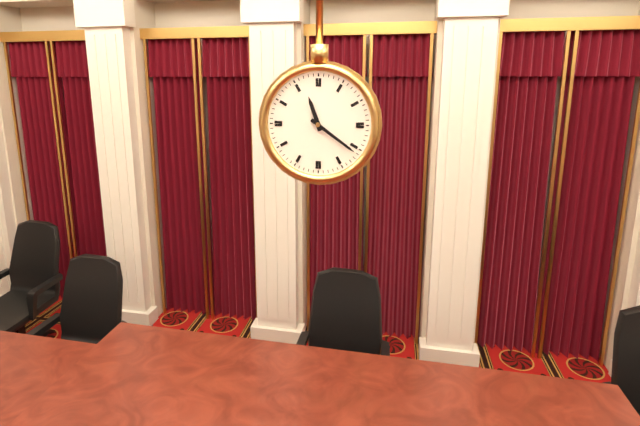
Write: 11:21
